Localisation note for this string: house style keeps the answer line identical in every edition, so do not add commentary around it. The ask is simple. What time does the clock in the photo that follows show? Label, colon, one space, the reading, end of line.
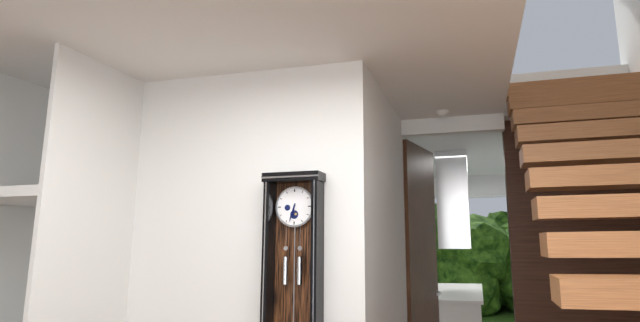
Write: 6:33
